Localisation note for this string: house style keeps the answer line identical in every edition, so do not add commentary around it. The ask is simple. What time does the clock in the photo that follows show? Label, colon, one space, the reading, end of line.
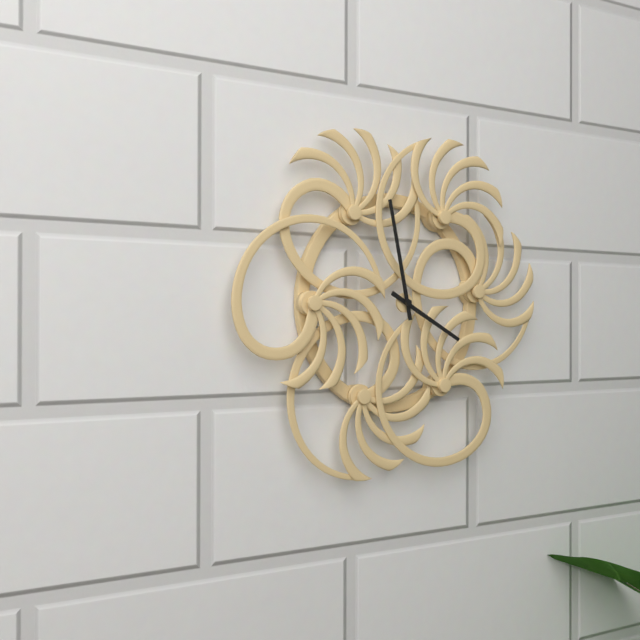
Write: 3:58
